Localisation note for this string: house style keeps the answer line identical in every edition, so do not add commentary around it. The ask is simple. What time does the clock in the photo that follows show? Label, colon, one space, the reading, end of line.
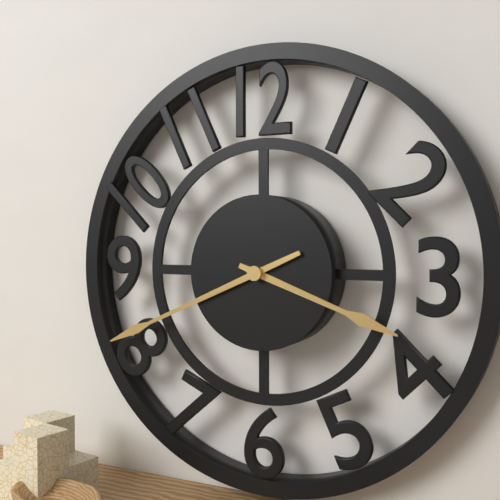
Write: 3:41
